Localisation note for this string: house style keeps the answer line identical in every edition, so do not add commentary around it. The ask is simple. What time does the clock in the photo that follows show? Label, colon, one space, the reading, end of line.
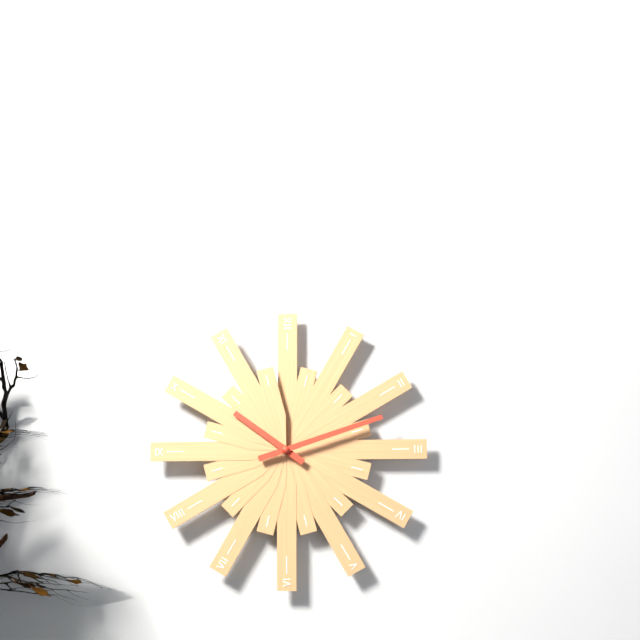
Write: 10:12
